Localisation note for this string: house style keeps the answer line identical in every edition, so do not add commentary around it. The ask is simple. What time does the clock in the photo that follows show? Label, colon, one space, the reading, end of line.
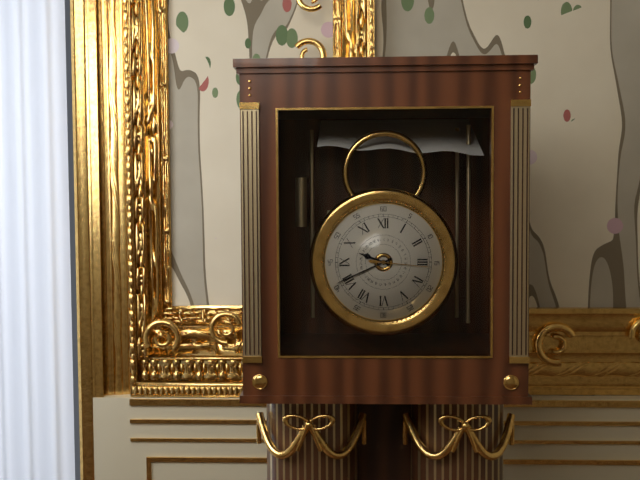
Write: 9:41:16
